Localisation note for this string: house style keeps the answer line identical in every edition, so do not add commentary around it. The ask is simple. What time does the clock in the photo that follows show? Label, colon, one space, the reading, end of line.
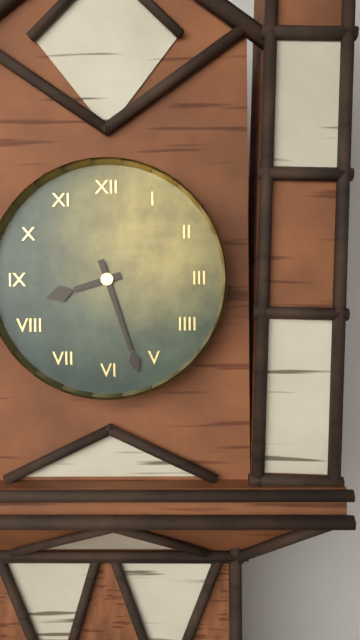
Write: 8:27
